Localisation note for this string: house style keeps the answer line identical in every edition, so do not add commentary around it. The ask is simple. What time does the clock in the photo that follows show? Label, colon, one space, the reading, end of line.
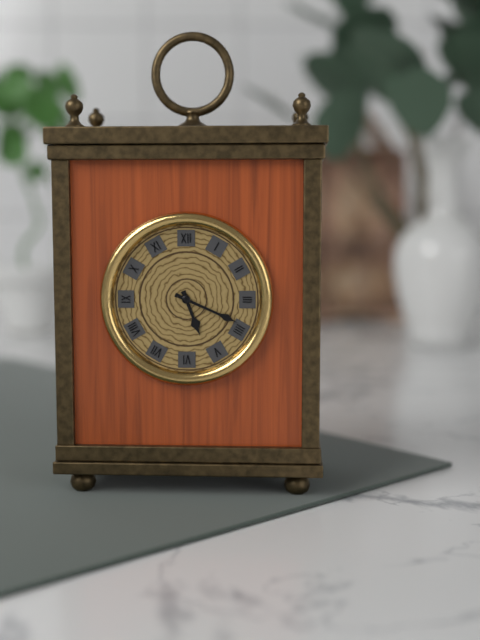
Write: 5:19
